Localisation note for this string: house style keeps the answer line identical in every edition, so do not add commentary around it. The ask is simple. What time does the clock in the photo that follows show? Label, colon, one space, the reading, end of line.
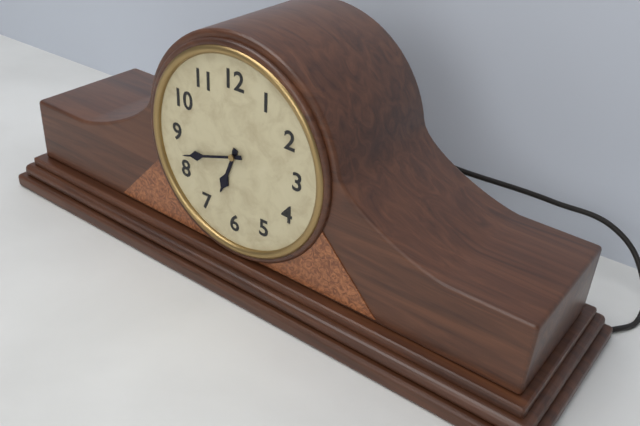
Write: 6:42
